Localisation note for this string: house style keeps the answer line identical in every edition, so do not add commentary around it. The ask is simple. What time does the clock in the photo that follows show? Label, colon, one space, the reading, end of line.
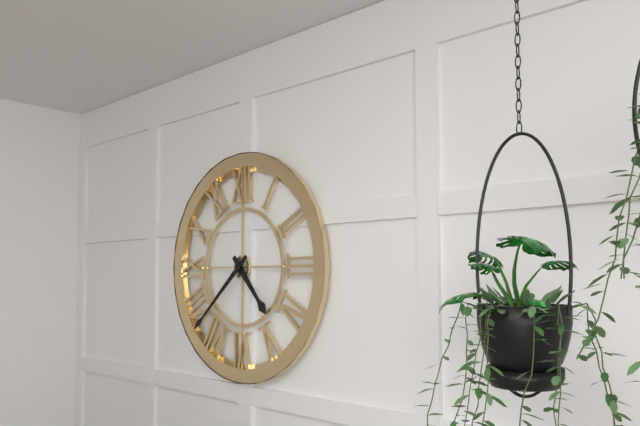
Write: 4:38
